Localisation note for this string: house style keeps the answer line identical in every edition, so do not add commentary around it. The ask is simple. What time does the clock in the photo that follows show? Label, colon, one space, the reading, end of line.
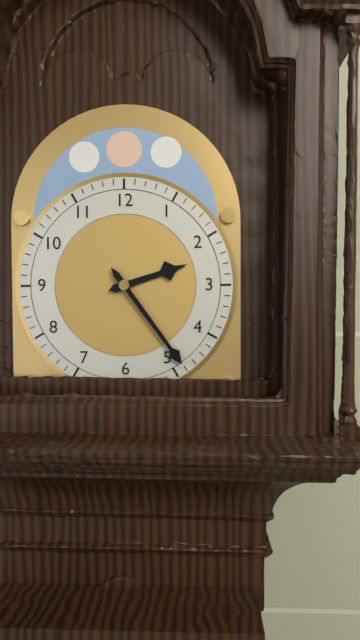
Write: 2:24
